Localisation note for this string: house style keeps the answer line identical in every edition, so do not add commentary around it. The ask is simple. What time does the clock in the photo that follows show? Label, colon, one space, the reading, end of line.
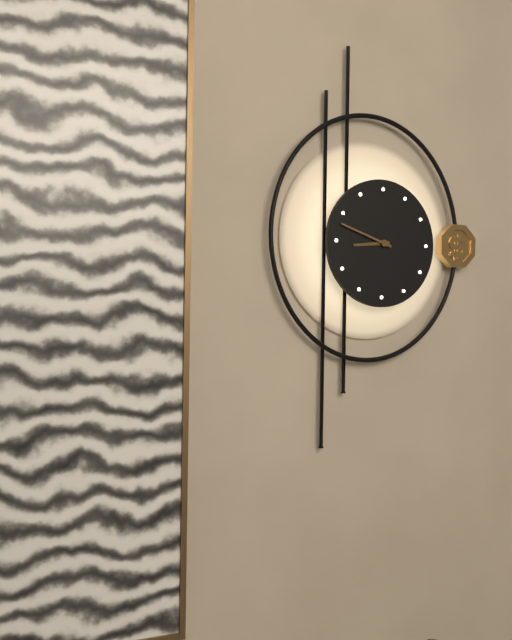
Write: 8:48
